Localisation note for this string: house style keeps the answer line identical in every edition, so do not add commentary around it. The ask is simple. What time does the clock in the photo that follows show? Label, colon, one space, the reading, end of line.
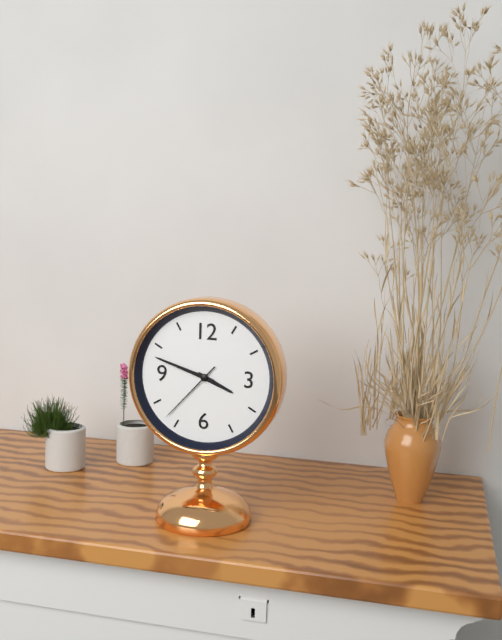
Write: 3:48:37
